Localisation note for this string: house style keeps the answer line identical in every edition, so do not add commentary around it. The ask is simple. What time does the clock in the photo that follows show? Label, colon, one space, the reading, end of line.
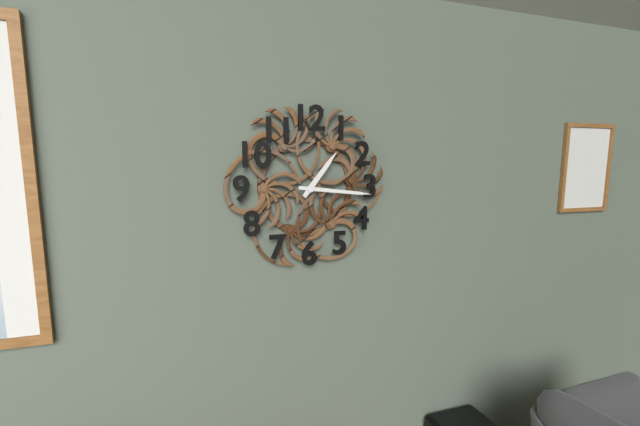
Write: 1:16
